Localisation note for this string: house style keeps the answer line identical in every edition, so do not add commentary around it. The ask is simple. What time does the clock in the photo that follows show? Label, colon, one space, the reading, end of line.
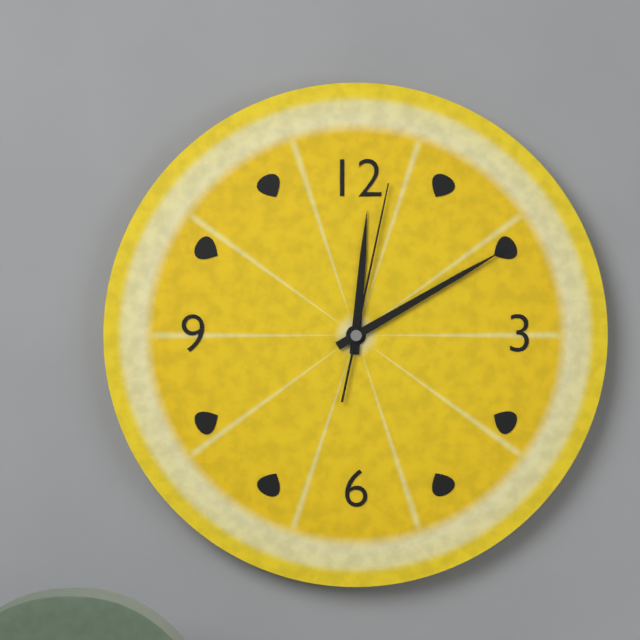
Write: 12:10:02
